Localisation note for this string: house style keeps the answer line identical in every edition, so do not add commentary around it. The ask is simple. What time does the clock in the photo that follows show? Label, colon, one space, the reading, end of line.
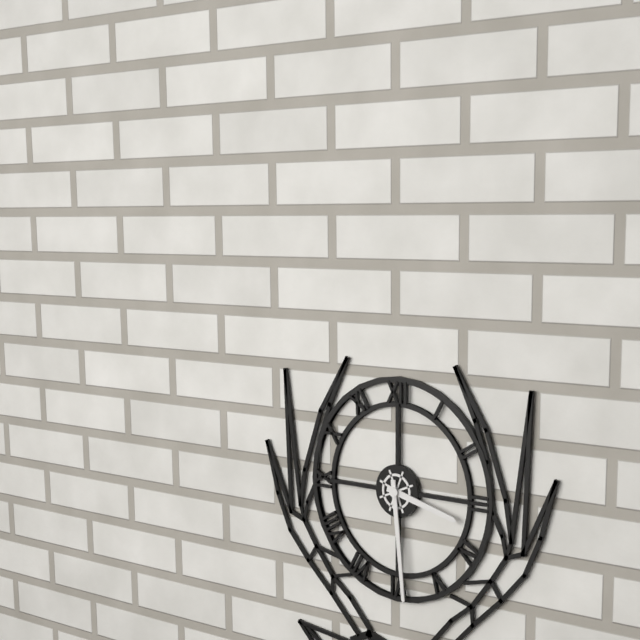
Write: 3:29
